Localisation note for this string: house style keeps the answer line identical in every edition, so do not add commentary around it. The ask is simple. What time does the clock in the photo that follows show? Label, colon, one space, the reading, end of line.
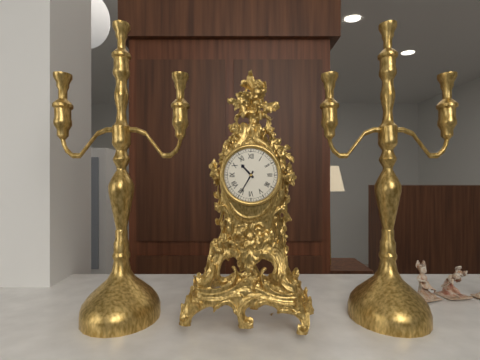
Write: 10:35
